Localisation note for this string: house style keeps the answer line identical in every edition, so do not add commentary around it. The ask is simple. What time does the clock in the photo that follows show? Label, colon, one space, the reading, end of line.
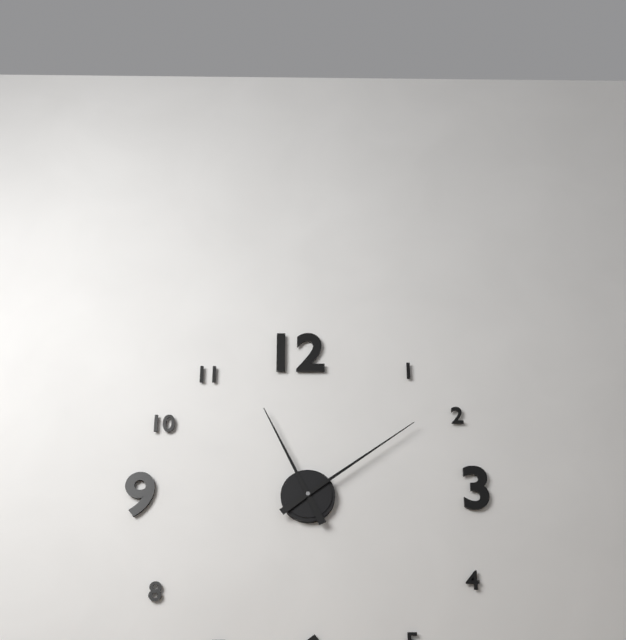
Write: 11:09
